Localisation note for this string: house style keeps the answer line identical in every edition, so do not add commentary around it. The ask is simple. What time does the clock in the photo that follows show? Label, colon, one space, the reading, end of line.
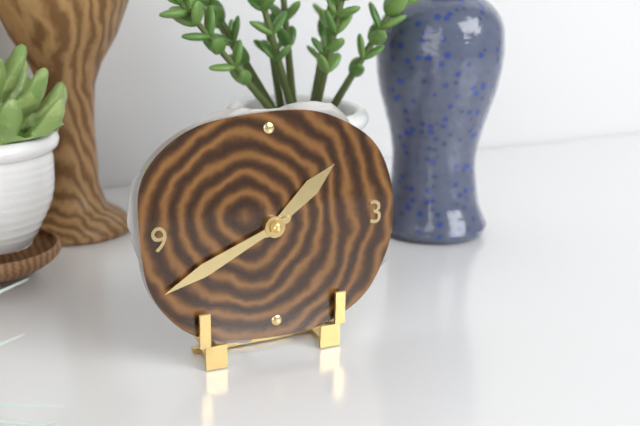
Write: 1:41
